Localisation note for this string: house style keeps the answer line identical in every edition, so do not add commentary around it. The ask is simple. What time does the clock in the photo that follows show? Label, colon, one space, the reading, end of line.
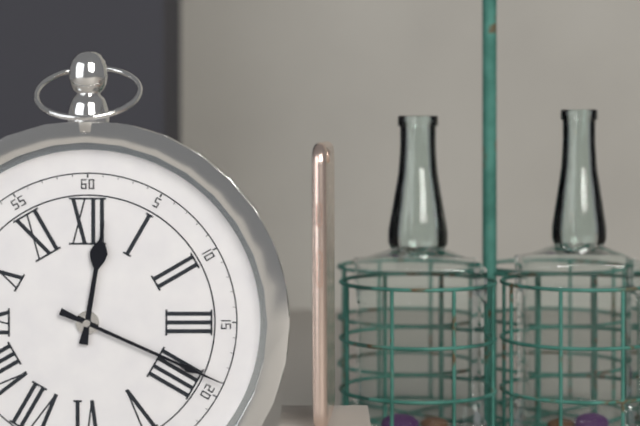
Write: 12:19
